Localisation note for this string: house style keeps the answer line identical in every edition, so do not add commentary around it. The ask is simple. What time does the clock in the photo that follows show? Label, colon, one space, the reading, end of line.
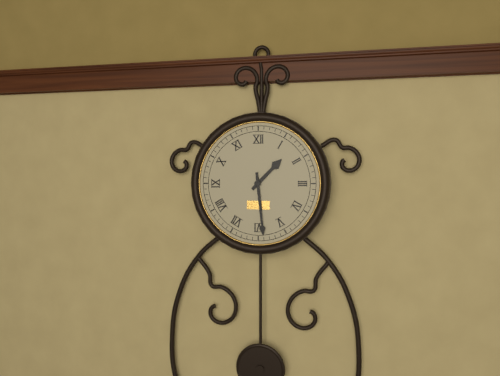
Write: 1:29
